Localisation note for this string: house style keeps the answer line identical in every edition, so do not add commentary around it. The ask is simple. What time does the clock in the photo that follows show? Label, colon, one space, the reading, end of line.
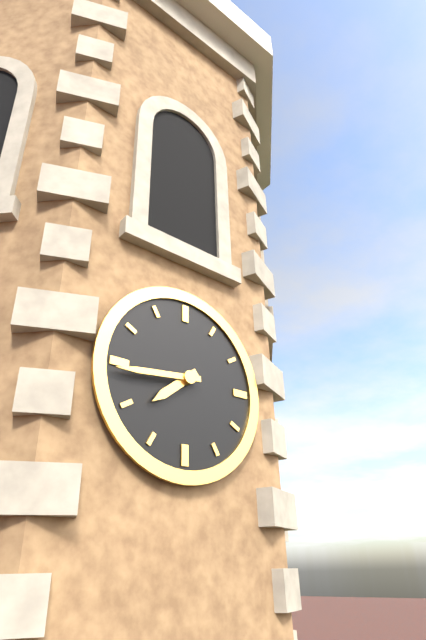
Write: 7:44
